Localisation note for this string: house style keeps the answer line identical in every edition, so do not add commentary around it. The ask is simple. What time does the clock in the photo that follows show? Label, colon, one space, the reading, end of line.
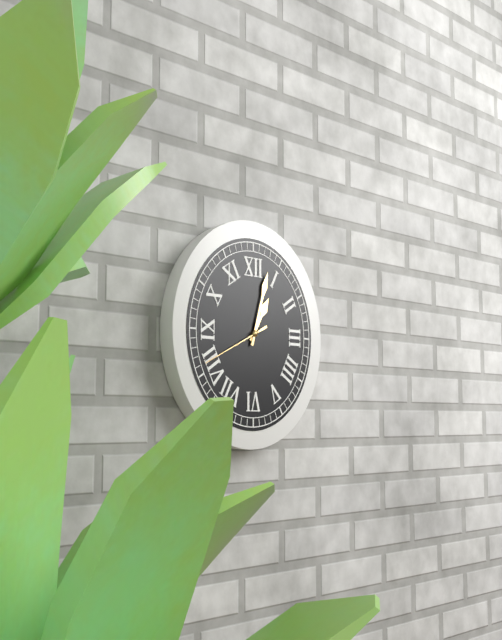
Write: 1:03:41
